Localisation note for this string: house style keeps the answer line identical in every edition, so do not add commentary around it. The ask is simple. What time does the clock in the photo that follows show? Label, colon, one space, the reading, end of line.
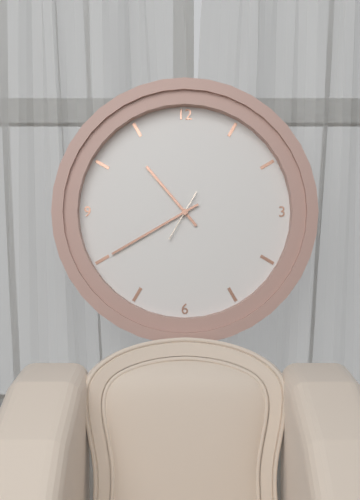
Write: 10:40
